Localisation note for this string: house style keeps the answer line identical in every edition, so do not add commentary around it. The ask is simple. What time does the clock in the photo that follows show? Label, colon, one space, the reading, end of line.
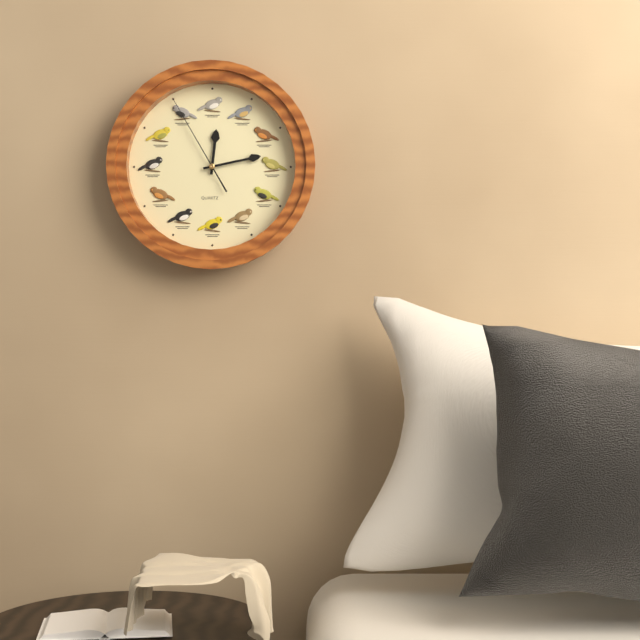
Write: 12:13:55
